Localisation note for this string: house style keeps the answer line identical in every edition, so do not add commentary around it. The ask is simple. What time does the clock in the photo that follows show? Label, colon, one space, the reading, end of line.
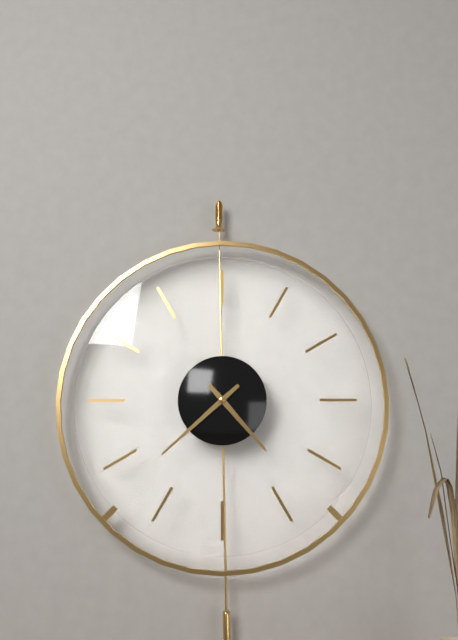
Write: 4:38
